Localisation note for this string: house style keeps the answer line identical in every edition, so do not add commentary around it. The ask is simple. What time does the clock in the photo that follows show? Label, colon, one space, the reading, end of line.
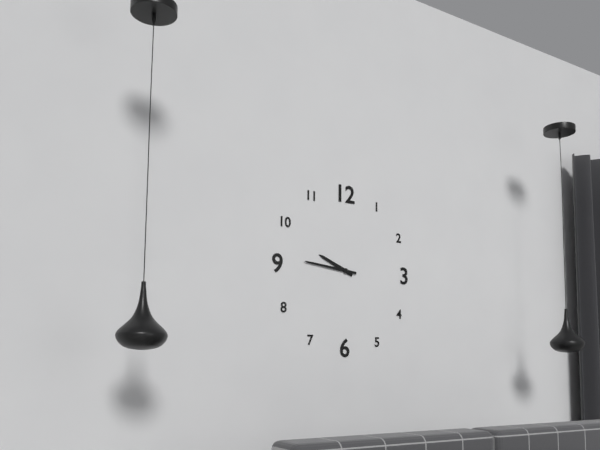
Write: 9:46
